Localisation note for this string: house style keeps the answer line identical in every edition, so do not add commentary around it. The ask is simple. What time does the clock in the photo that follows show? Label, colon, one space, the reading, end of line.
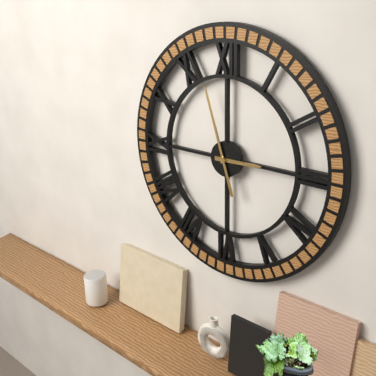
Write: 2:57
